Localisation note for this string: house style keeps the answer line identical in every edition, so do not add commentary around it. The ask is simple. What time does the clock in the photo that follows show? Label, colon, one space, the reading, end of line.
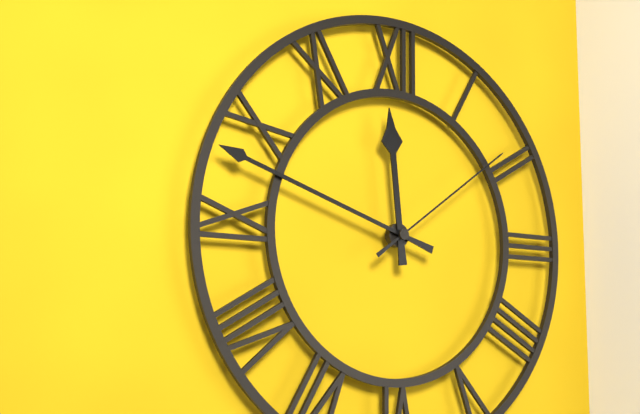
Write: 11:48:09
